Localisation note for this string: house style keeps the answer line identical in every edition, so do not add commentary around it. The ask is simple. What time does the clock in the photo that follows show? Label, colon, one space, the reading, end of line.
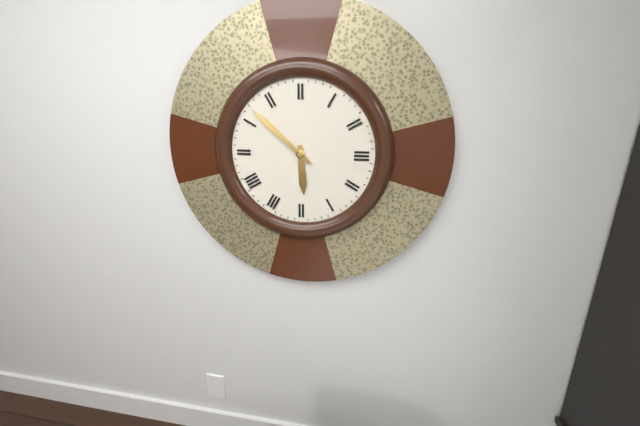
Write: 5:52
